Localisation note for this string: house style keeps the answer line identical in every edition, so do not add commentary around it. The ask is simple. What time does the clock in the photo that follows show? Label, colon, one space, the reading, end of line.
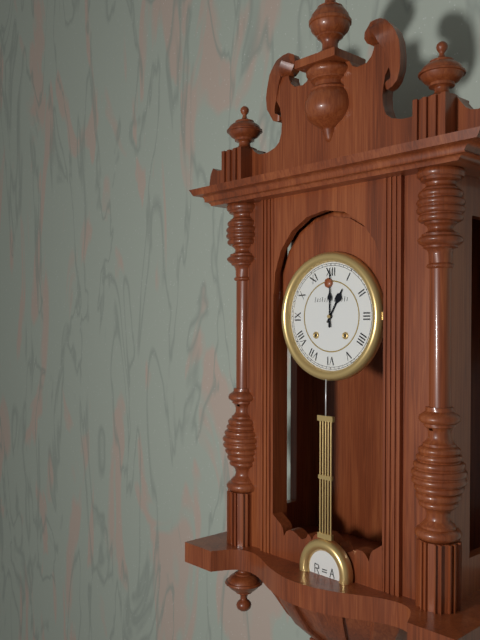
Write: 1:00
